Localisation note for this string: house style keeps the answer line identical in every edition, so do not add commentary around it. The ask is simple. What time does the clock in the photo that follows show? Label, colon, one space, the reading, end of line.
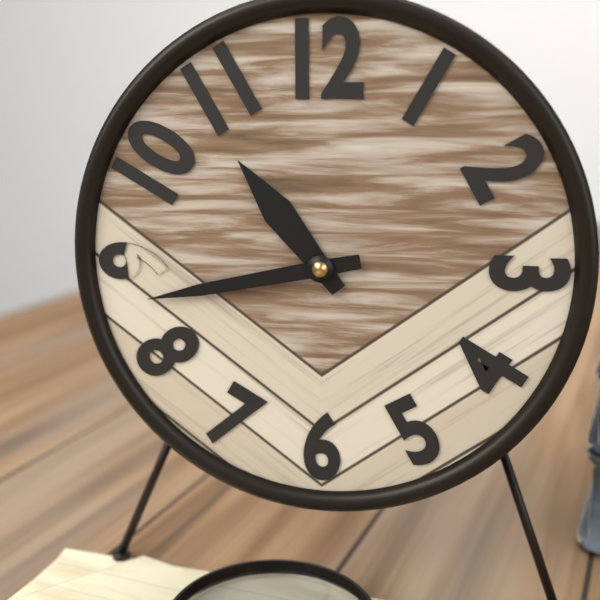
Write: 10:43
